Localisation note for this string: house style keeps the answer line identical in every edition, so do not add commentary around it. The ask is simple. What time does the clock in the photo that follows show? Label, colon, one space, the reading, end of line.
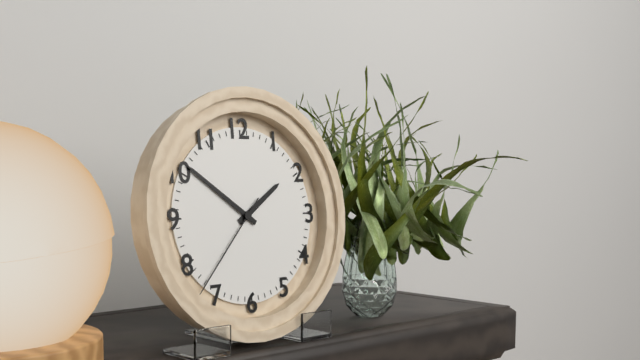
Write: 1:51:37
